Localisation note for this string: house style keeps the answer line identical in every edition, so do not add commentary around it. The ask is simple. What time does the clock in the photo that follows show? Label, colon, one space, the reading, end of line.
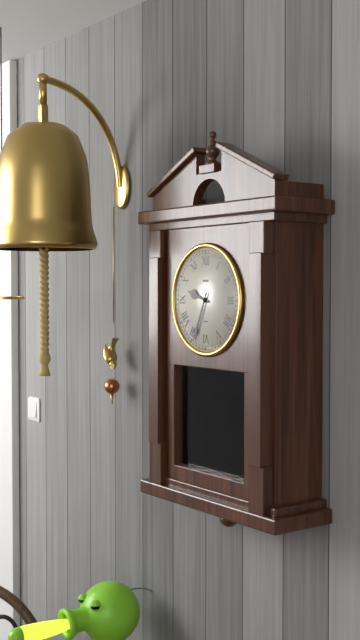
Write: 9:34
